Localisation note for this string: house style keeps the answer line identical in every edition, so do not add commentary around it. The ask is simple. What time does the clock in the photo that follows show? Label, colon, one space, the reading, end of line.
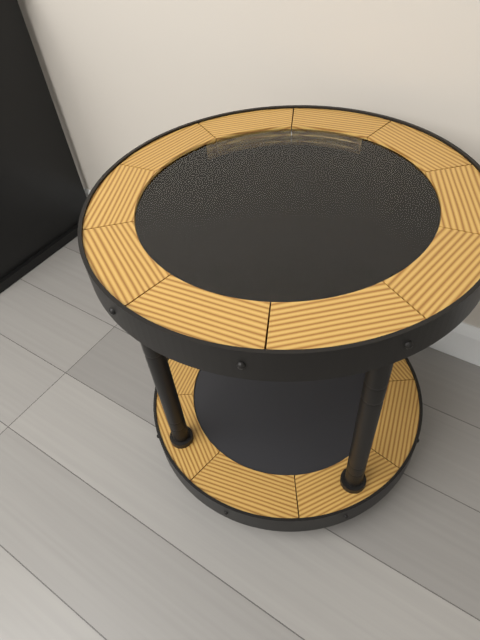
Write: 2:09
